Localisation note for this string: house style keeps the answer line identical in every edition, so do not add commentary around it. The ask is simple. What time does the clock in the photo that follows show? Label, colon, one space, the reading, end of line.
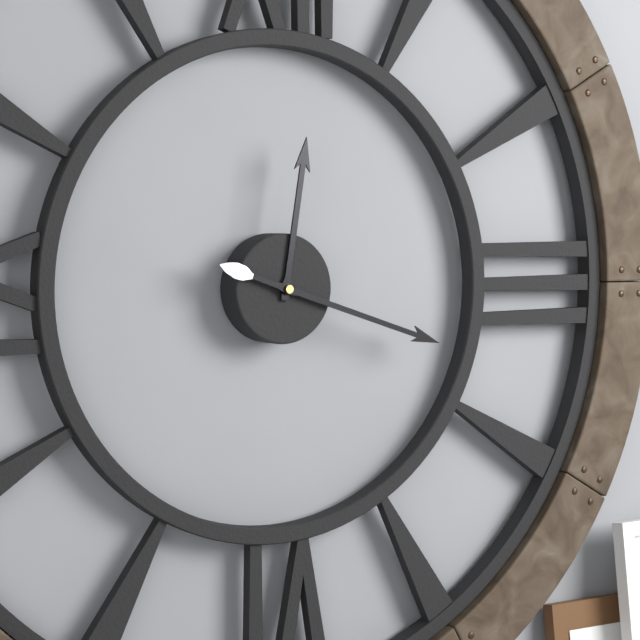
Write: 12:18
